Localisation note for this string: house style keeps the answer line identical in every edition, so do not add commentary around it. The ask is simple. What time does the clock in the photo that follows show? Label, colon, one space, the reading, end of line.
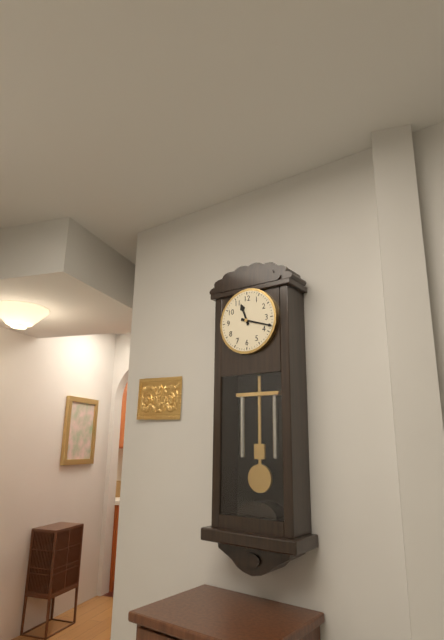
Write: 11:18
